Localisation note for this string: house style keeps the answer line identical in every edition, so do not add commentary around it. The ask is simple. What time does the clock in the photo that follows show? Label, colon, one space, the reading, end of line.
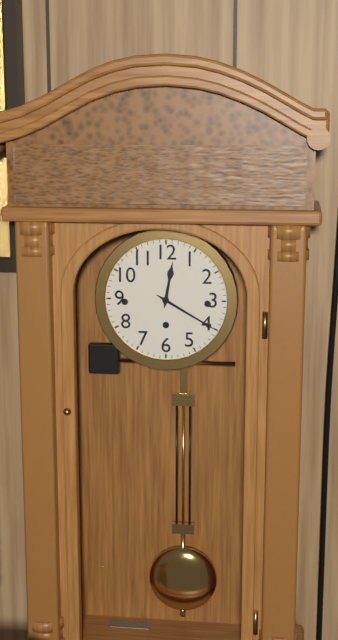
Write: 12:20
